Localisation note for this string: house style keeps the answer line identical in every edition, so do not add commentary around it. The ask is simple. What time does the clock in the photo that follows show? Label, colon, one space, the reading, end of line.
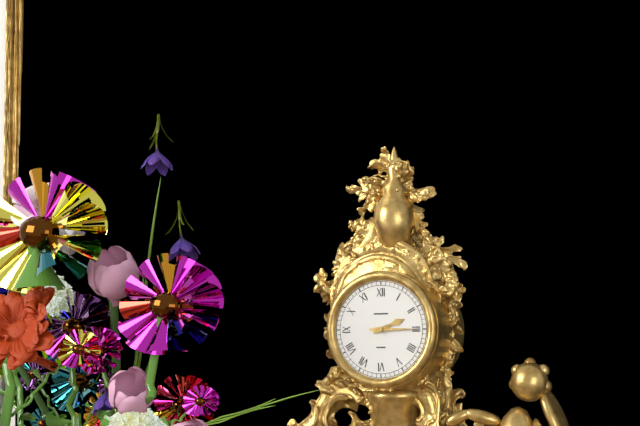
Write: 2:15
